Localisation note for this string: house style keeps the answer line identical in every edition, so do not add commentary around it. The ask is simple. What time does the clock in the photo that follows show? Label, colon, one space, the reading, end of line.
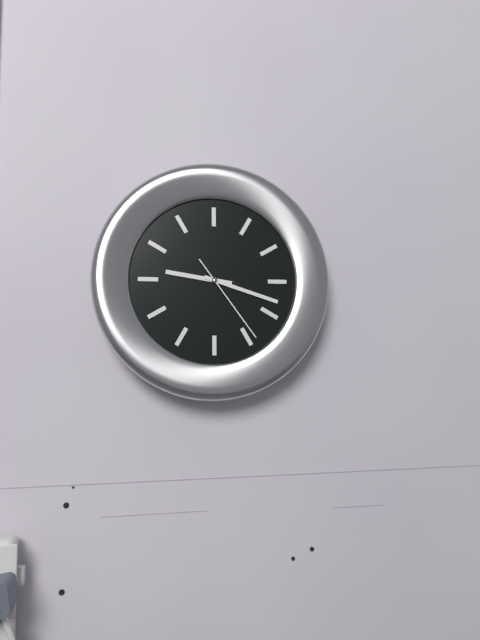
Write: 9:18:24
